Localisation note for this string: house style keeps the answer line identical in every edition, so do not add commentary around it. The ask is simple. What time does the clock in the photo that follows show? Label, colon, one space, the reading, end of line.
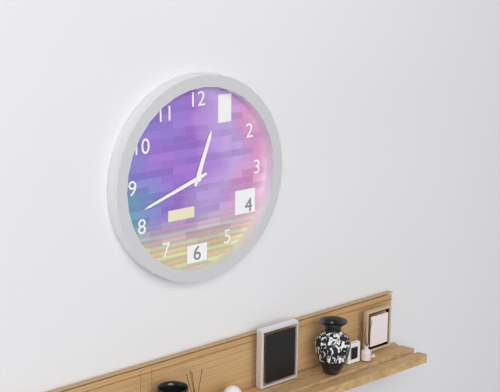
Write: 12:42
